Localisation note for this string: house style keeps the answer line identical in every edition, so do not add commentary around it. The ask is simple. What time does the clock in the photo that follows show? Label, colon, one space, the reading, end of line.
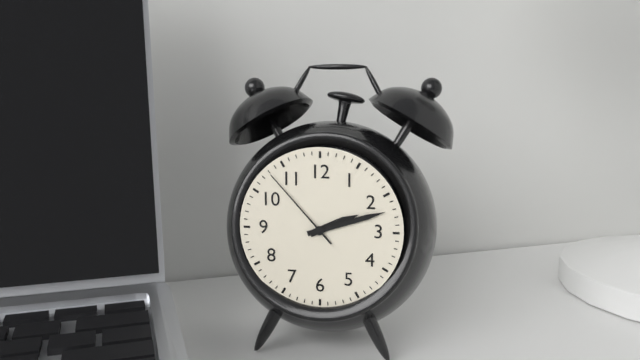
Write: 2:12:53
